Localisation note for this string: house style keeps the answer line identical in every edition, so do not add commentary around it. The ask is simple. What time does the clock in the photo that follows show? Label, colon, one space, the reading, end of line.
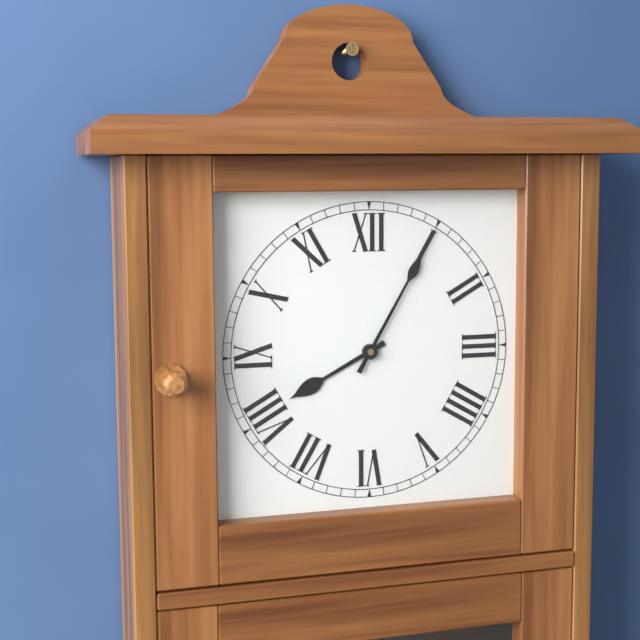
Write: 8:05
